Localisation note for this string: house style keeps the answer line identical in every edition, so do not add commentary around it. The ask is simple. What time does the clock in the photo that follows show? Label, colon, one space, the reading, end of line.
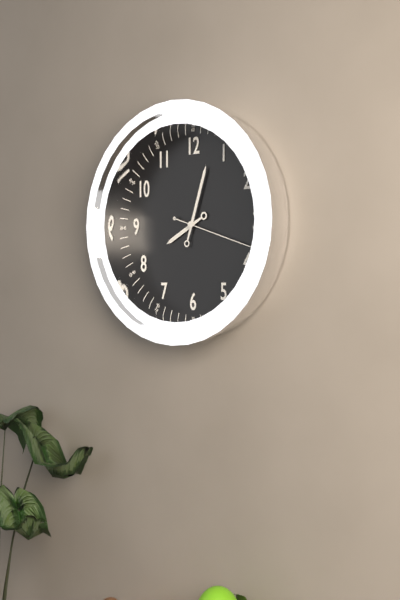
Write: 8:03:18
